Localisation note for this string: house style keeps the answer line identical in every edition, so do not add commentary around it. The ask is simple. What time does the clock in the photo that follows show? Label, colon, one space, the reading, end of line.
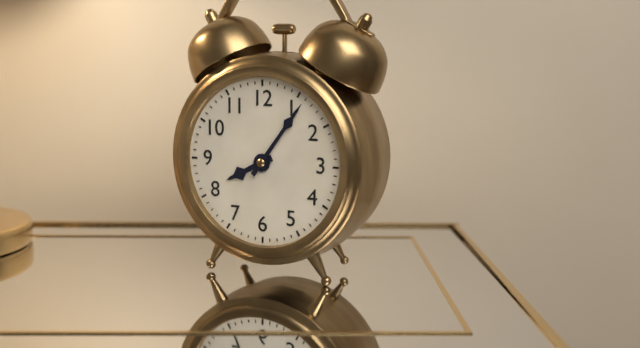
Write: 8:06
